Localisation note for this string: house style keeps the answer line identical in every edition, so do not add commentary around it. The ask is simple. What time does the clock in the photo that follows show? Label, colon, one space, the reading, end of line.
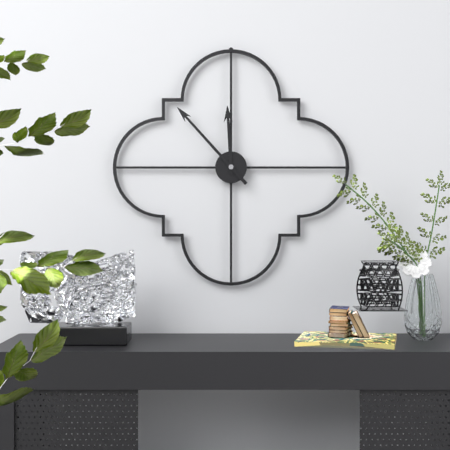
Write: 11:53
